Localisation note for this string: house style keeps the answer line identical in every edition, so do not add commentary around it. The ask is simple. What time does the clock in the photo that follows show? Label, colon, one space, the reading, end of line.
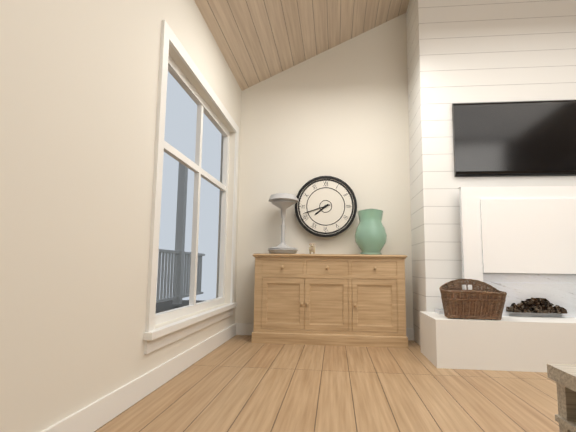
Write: 7:42
